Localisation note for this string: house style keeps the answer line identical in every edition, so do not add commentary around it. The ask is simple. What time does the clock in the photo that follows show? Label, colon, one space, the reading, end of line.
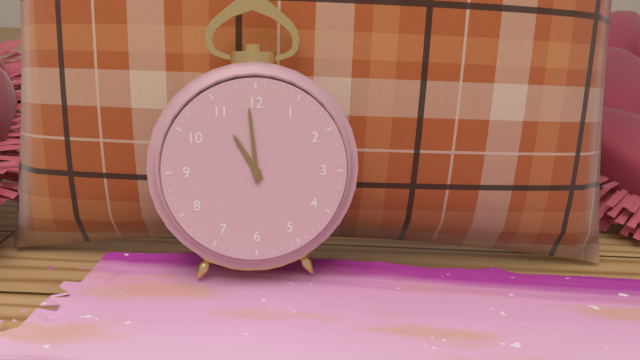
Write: 10:59
